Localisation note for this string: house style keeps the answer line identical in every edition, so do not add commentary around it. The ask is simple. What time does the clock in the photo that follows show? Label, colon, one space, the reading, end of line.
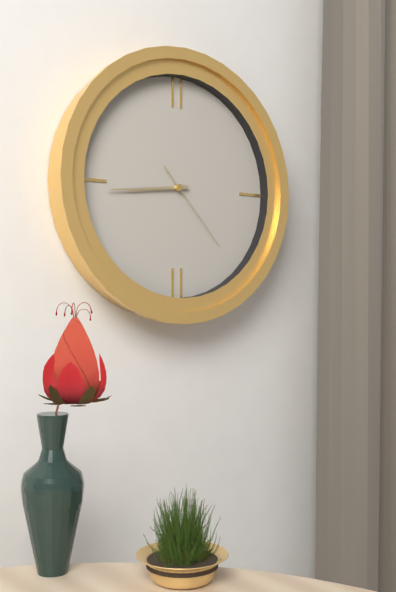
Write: 8:44:23
